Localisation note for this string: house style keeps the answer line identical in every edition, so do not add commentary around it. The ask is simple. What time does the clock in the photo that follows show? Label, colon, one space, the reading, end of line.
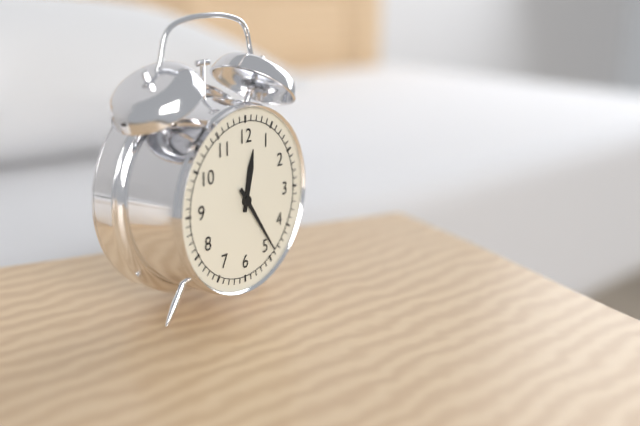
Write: 12:24
